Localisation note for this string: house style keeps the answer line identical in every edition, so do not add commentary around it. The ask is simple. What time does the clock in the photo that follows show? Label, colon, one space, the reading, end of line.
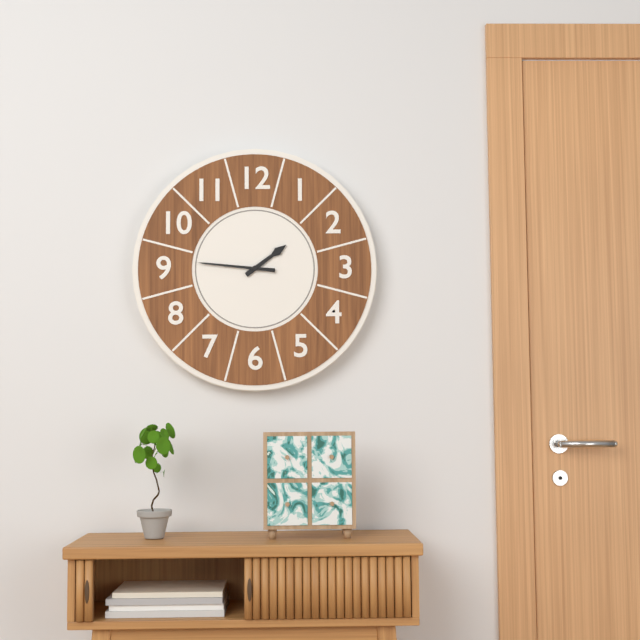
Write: 1:46
